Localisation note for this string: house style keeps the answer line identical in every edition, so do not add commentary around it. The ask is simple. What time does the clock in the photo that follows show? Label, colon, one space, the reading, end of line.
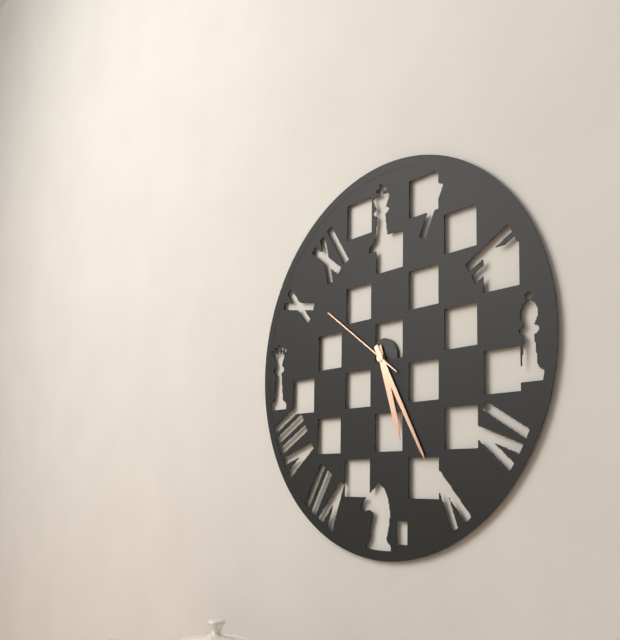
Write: 5:25:51
